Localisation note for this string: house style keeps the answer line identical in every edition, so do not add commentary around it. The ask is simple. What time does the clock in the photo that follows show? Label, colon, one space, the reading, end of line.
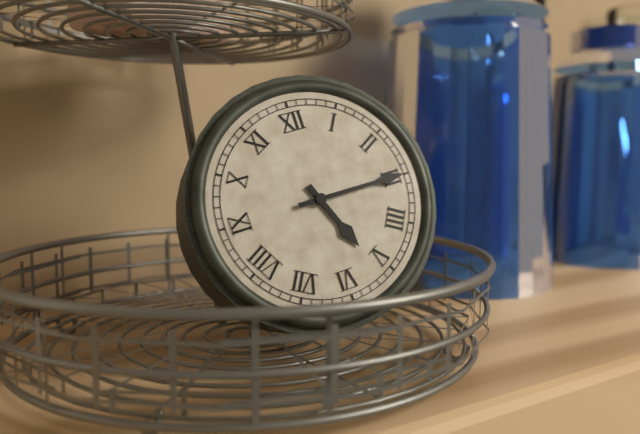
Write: 5:15
